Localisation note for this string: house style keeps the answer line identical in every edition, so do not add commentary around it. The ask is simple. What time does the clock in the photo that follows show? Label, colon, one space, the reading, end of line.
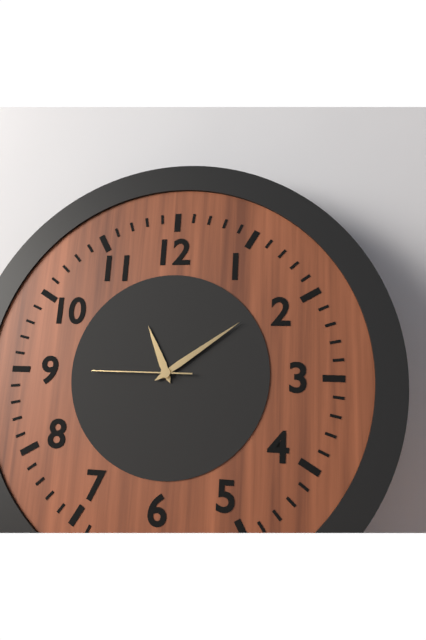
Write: 11:09:45
